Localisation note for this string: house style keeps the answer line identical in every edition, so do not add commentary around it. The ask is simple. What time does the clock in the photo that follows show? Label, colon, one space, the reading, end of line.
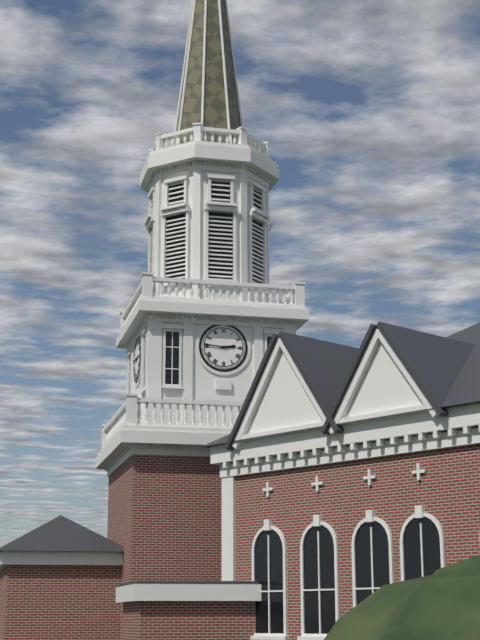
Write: 2:46
